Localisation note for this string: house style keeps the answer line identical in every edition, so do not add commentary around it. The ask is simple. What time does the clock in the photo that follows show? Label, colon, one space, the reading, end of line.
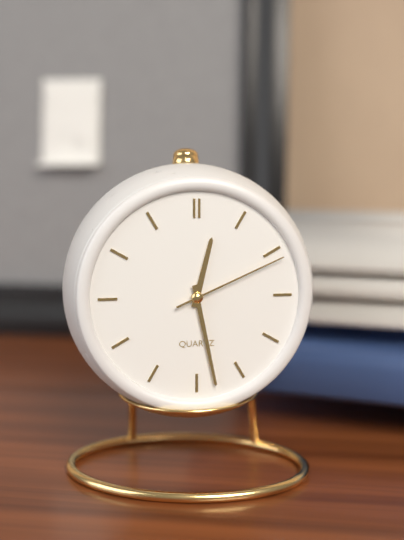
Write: 12:28:11
